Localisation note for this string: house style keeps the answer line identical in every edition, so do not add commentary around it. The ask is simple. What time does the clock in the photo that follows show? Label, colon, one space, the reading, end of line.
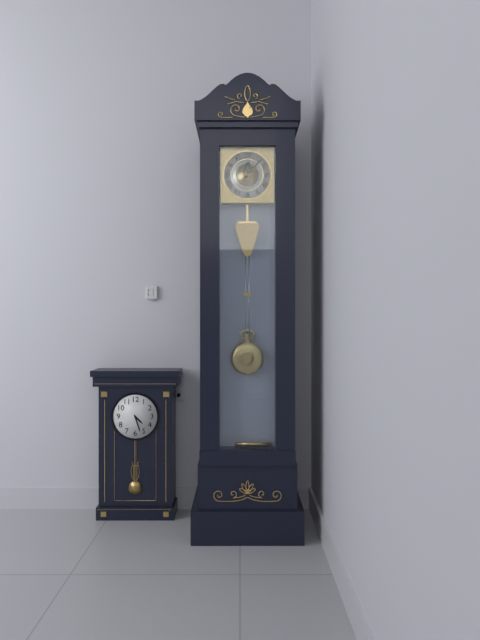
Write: 12:07
